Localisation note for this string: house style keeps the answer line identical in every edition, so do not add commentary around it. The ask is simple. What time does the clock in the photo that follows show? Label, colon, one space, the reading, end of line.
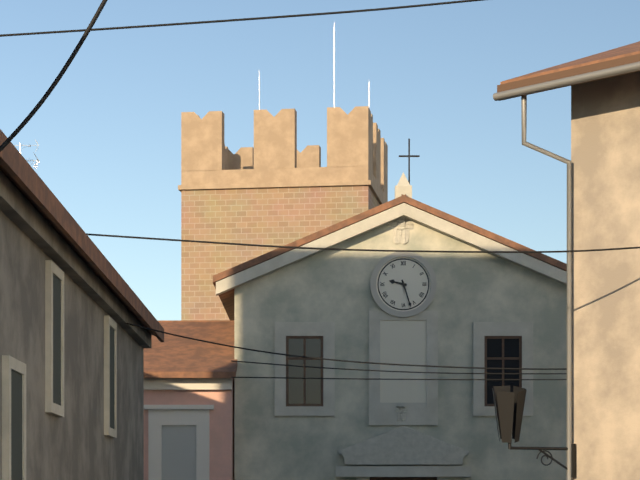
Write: 9:27
